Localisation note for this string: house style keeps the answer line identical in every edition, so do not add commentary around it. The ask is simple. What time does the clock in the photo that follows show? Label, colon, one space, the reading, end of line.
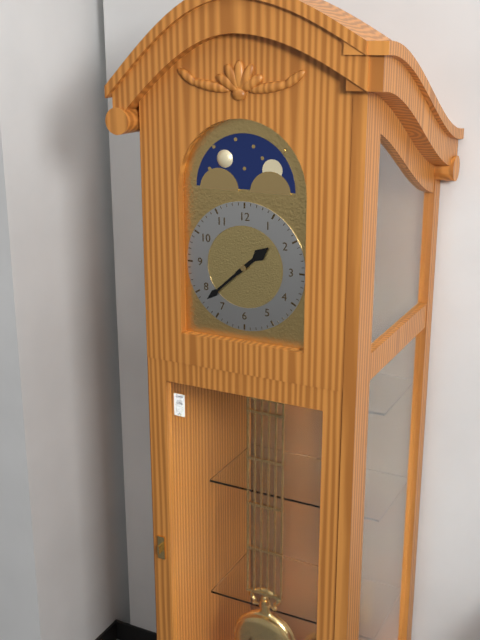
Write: 1:38
